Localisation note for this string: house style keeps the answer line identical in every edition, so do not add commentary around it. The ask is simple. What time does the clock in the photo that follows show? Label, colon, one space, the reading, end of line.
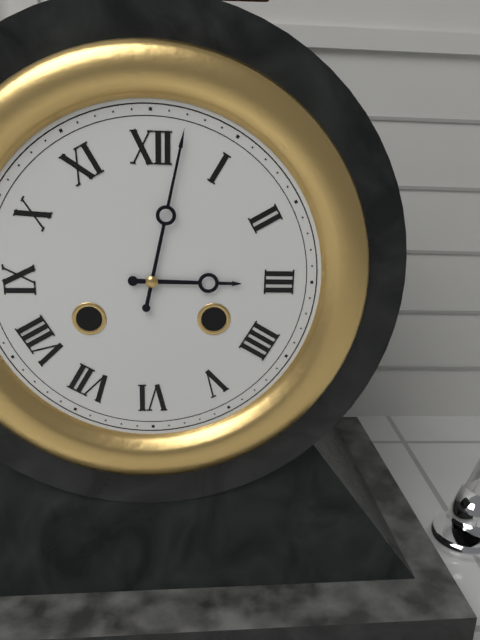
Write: 3:02
